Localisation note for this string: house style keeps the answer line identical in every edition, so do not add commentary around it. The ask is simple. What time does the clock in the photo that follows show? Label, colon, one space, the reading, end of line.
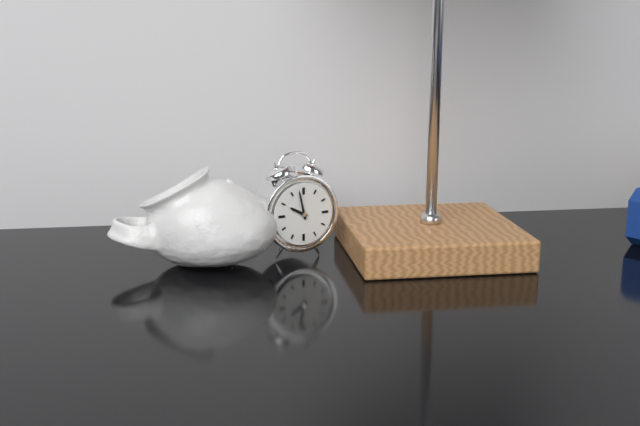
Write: 9:58
